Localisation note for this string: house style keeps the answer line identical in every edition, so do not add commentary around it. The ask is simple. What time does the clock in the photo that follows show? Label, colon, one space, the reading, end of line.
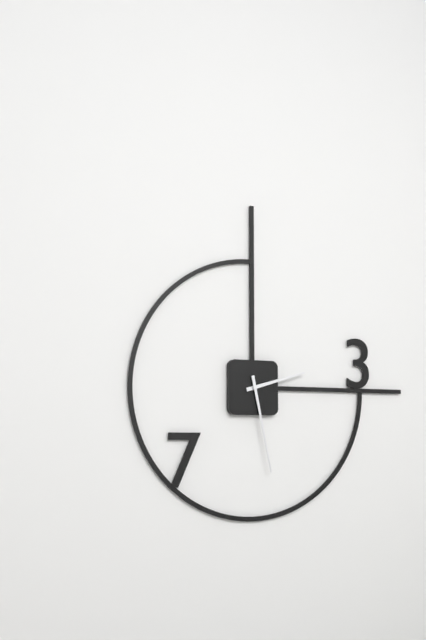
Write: 2:28
